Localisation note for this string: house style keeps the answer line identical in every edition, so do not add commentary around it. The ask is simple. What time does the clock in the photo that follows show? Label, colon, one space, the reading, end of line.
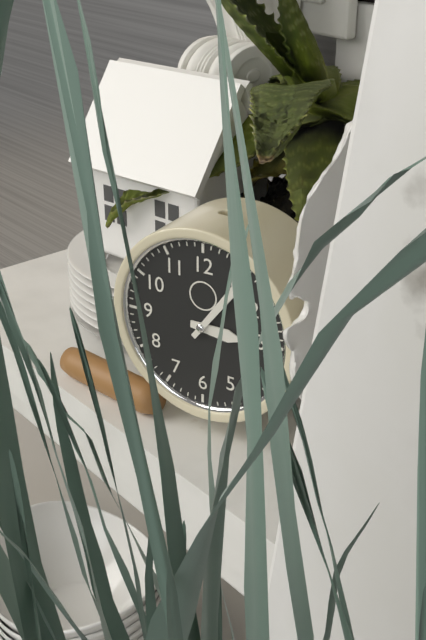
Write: 3:06
